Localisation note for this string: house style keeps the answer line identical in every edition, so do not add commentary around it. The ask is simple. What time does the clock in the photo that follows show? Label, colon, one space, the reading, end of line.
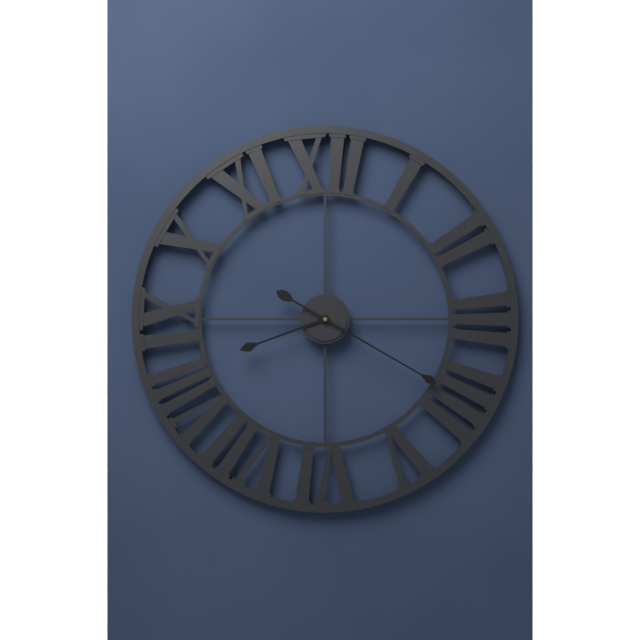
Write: 8:20
